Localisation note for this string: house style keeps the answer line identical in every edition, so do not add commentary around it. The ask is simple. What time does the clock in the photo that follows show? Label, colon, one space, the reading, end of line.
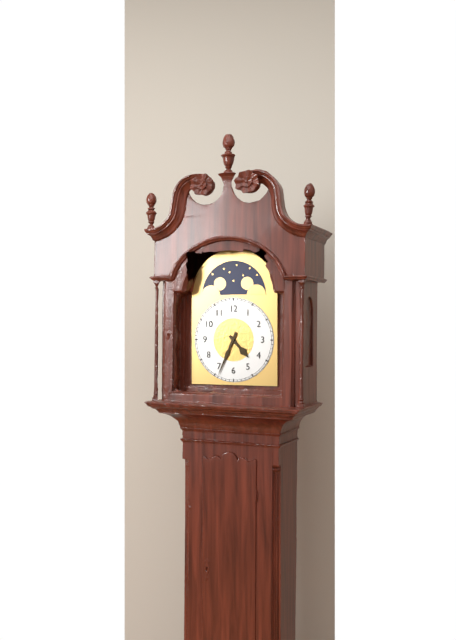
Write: 4:34
